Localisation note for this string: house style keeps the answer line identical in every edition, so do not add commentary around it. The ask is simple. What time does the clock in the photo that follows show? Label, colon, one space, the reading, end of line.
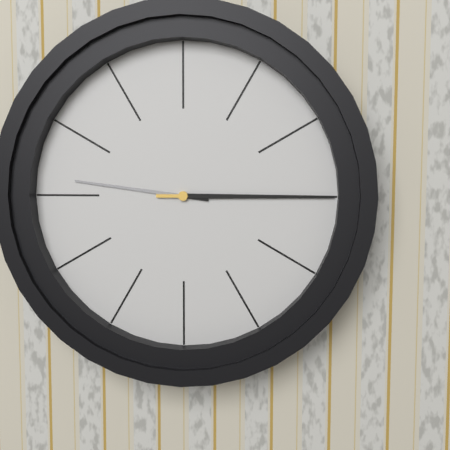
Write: 9:15
